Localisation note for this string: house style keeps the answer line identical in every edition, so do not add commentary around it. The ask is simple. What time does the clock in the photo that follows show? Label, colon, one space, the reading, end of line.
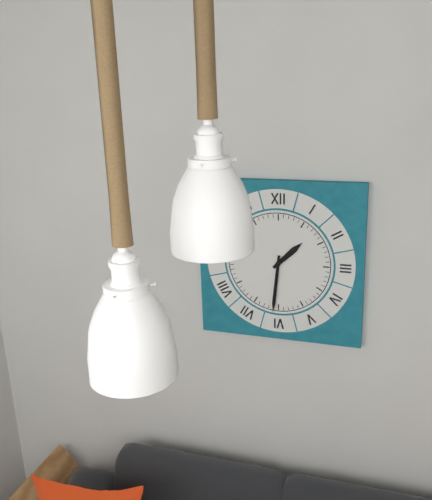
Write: 1:31
